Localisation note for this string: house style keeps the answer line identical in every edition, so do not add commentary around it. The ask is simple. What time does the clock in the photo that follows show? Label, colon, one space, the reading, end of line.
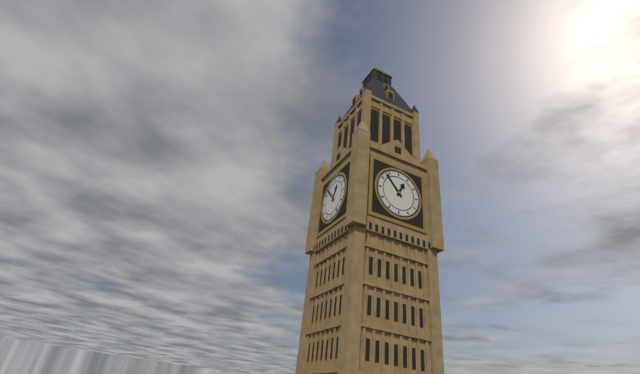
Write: 12:53
